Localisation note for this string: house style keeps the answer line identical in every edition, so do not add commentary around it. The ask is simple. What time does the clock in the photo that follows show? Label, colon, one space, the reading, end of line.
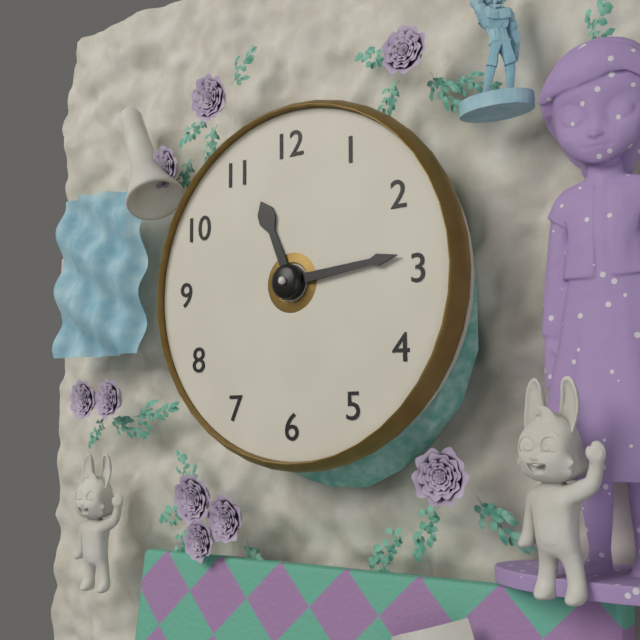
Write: 11:14
